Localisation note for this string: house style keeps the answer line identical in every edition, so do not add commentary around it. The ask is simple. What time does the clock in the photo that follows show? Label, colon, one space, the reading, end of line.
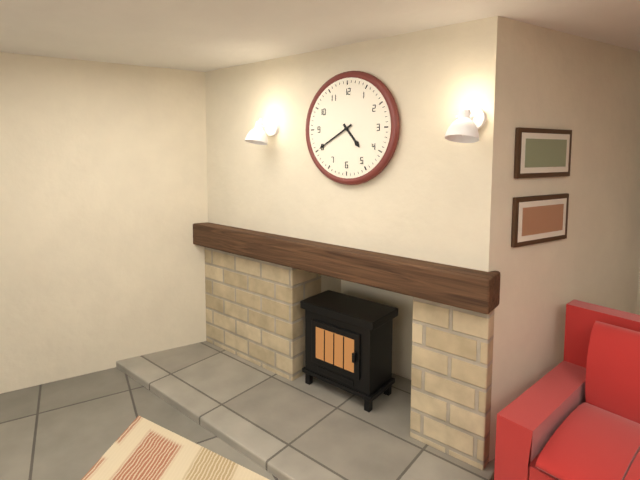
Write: 4:40
